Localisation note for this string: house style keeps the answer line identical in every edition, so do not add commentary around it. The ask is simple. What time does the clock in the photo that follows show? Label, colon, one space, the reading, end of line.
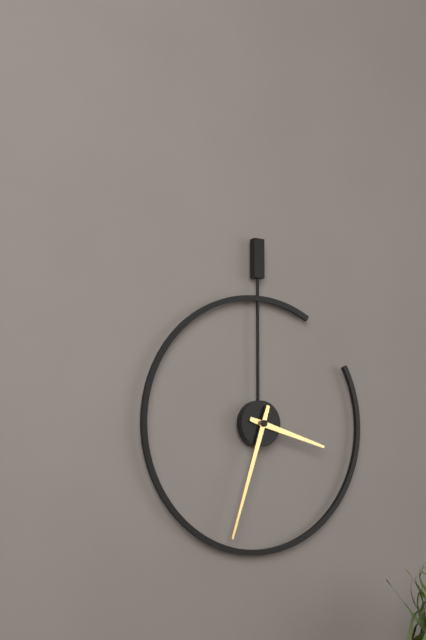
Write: 3:33
